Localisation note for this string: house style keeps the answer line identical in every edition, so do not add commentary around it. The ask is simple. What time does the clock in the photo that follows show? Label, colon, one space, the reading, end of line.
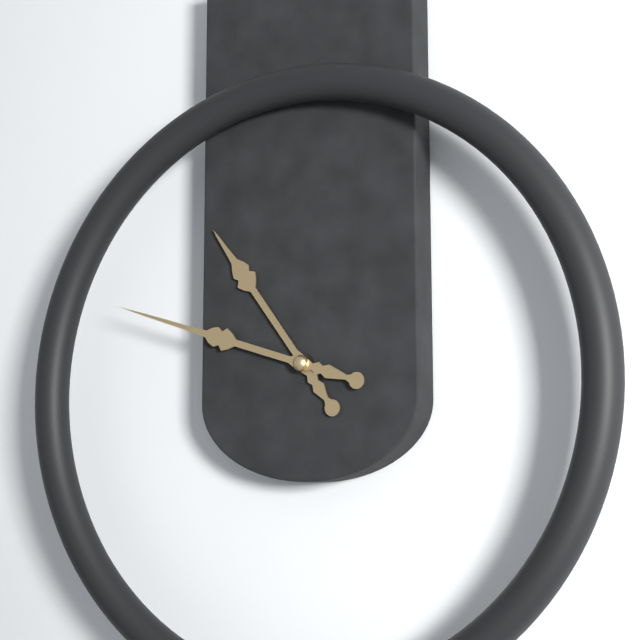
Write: 10:48
